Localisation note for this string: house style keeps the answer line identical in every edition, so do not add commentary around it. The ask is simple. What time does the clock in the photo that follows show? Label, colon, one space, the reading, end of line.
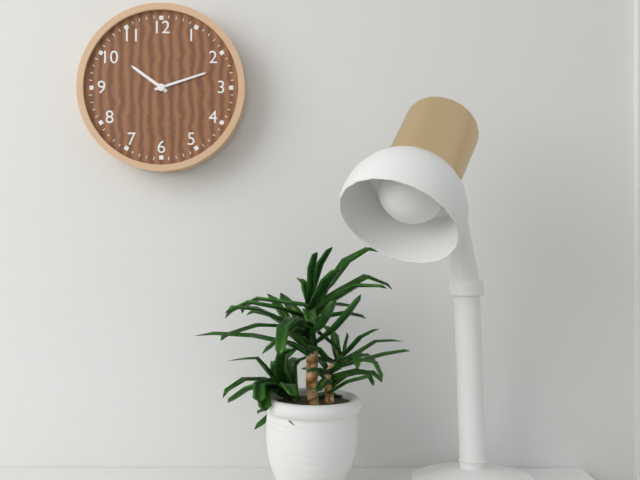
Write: 10:12
